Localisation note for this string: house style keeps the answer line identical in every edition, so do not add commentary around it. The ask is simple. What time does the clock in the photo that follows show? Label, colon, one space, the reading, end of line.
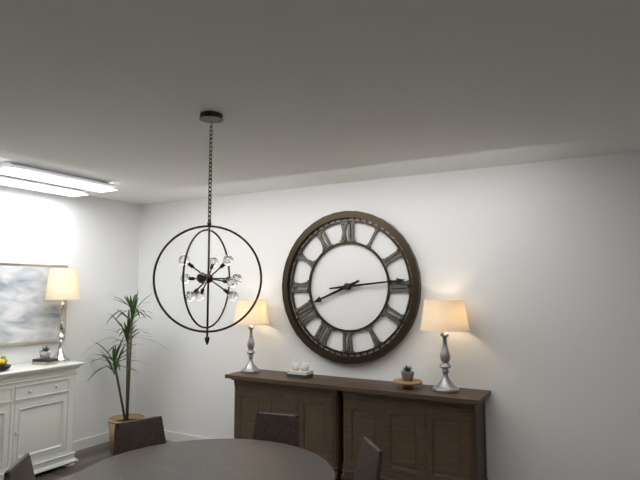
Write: 8:14
